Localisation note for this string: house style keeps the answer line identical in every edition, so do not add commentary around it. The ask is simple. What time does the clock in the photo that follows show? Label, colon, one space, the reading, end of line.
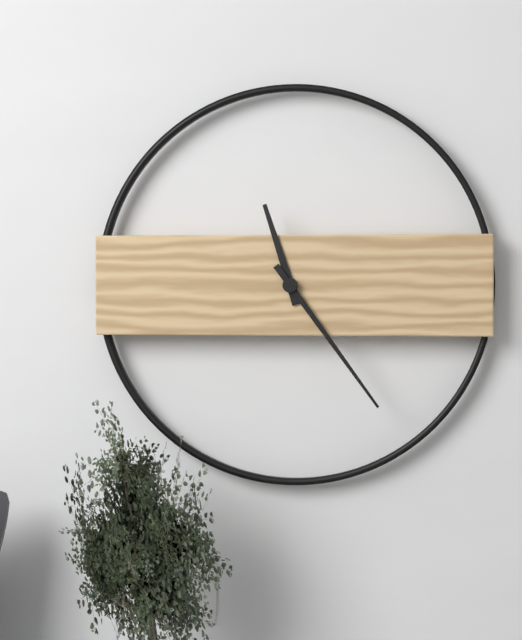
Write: 11:24
